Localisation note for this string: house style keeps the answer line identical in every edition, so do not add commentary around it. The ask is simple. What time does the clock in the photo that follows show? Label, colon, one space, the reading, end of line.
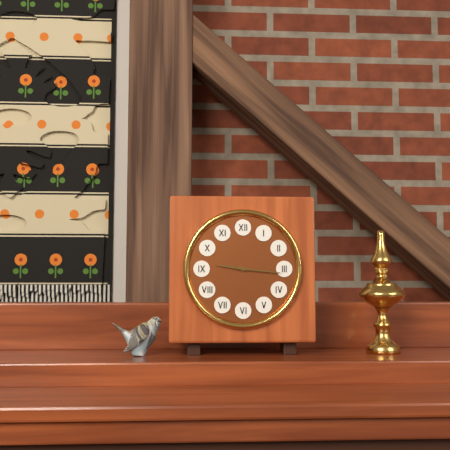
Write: 9:16
